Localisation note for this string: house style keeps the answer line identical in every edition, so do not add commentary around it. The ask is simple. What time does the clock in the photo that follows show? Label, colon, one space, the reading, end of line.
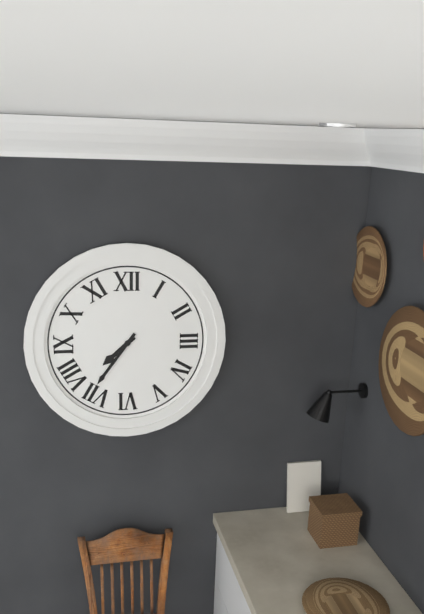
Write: 7:36
